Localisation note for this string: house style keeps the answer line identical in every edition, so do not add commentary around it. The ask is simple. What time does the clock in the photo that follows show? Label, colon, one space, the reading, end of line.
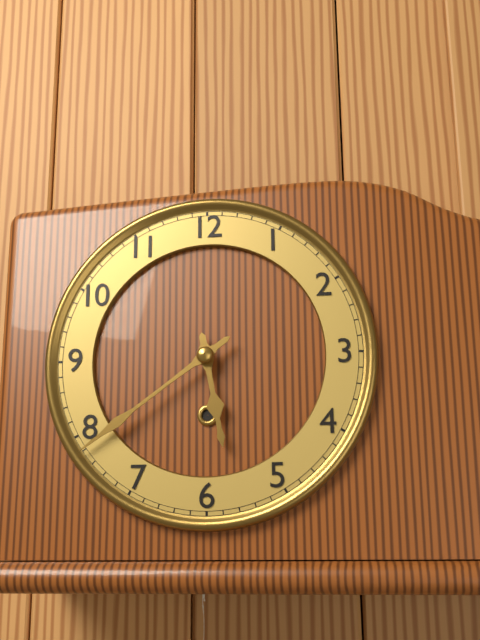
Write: 5:39
